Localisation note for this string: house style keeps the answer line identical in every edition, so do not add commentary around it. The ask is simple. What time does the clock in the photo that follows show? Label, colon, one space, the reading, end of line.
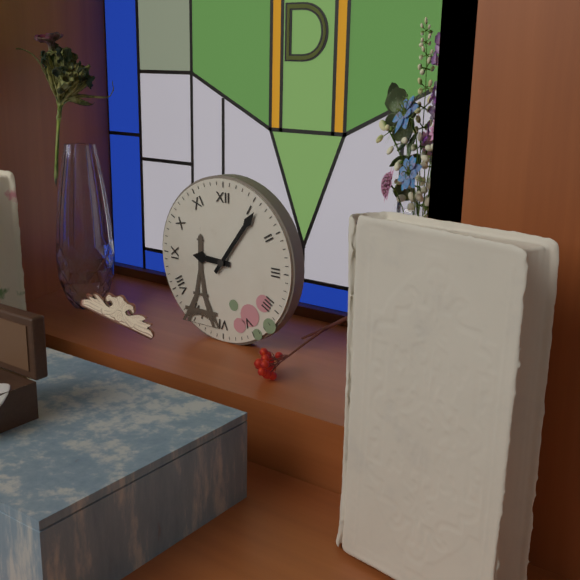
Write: 9:06
